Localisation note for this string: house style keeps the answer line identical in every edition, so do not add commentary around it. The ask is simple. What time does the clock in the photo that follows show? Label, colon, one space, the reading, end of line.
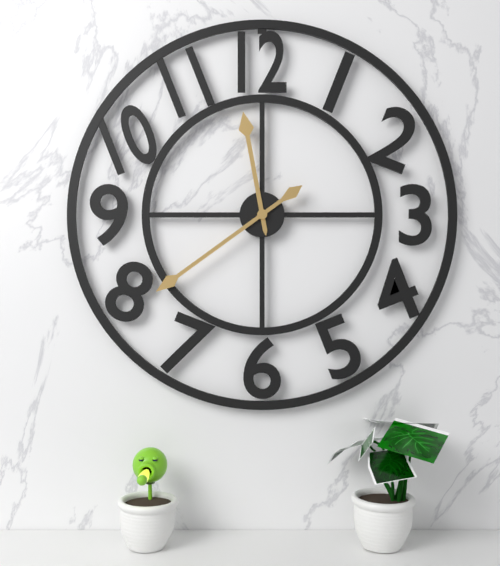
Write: 11:39
